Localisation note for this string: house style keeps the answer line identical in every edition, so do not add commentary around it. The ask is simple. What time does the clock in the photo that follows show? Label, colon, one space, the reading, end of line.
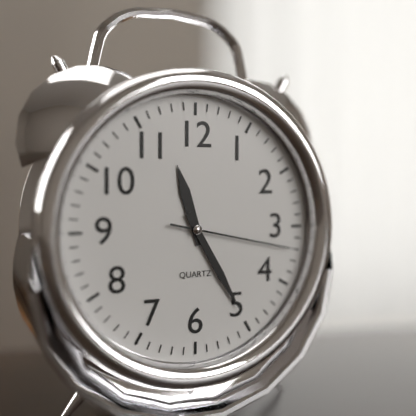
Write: 11:25:17
